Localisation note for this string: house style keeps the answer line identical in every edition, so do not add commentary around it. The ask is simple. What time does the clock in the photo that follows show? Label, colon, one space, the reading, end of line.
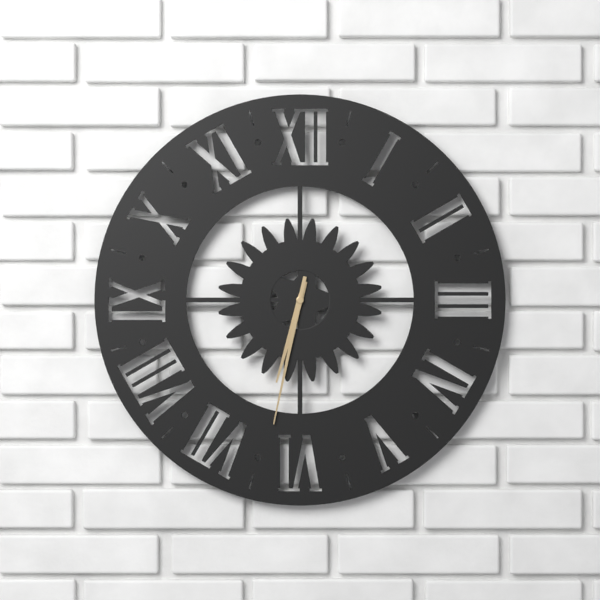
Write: 6:32
